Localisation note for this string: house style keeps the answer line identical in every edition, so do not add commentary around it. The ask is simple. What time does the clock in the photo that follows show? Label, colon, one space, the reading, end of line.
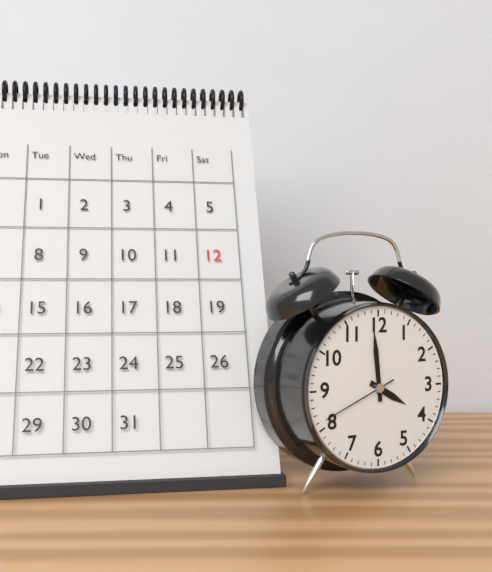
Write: 3:59:41
